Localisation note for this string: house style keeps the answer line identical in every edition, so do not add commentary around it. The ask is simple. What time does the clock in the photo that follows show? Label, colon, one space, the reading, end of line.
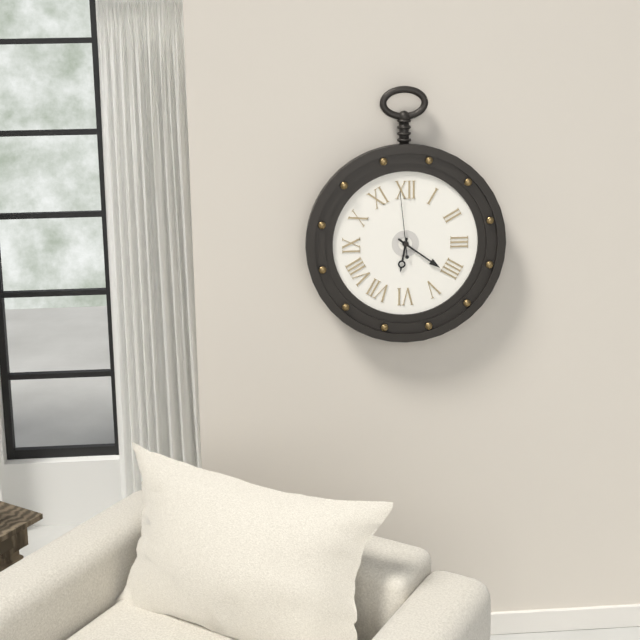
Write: 6:21:59
